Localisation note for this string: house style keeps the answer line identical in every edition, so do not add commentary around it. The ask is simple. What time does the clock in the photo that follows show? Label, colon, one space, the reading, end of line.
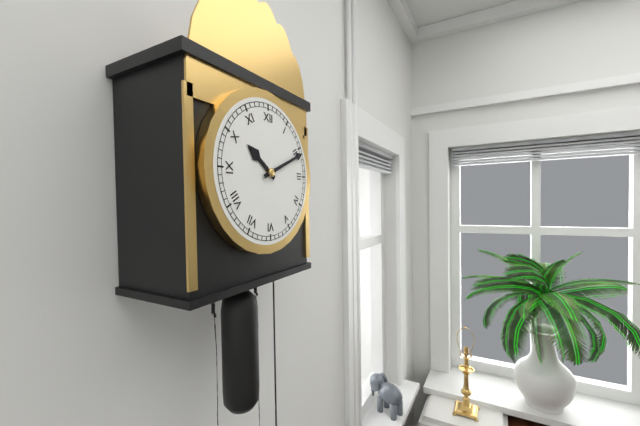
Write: 10:11
